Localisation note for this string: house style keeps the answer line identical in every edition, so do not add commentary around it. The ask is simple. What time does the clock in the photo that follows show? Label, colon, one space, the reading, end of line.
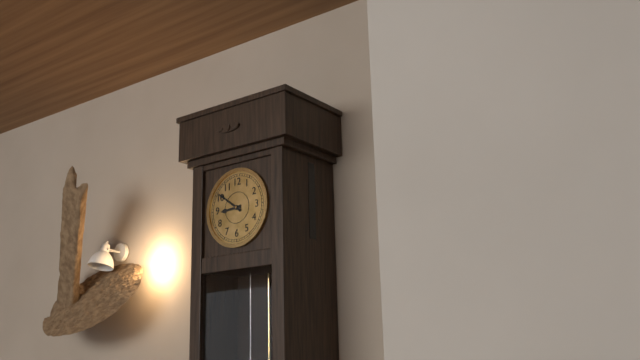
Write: 8:51
